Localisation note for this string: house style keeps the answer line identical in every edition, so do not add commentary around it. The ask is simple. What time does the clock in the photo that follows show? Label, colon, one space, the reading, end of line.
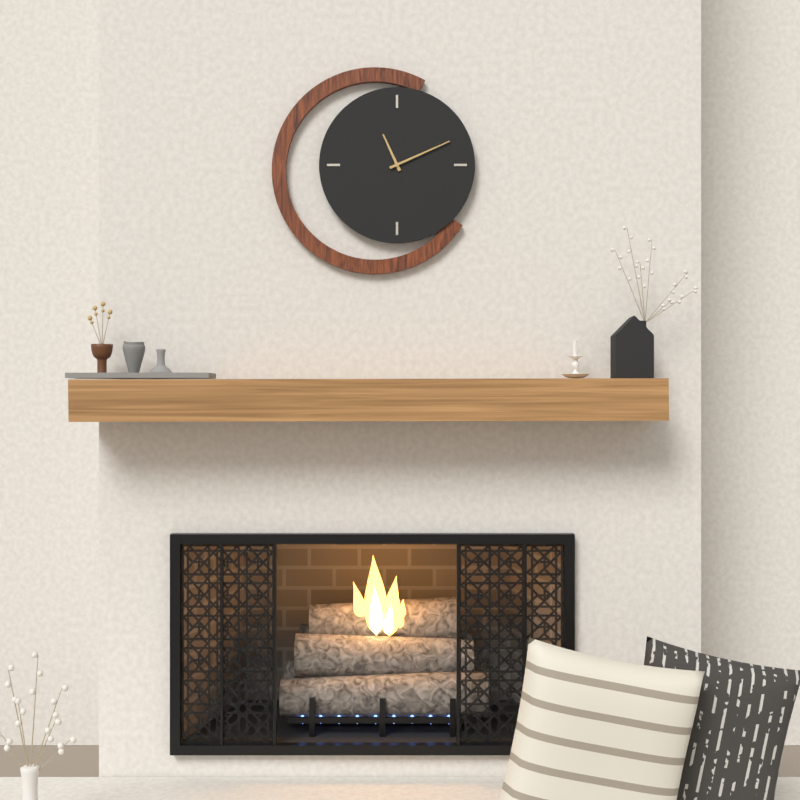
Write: 11:11
